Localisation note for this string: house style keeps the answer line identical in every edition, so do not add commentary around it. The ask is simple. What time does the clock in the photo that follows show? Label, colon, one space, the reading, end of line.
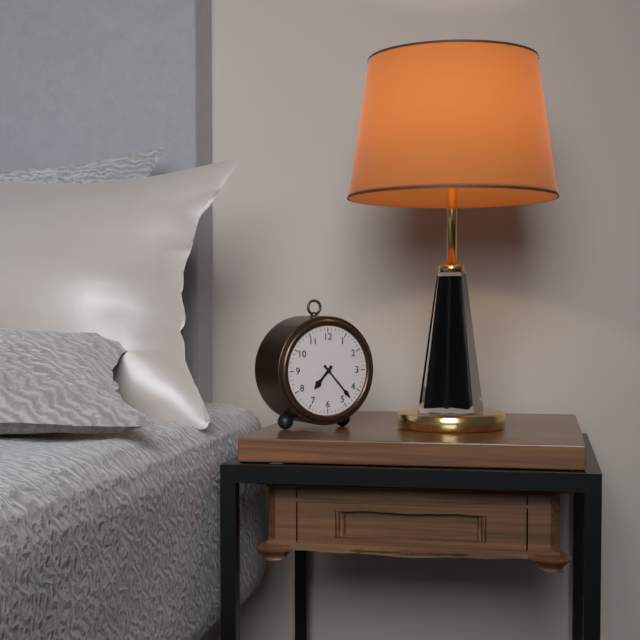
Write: 7:23
